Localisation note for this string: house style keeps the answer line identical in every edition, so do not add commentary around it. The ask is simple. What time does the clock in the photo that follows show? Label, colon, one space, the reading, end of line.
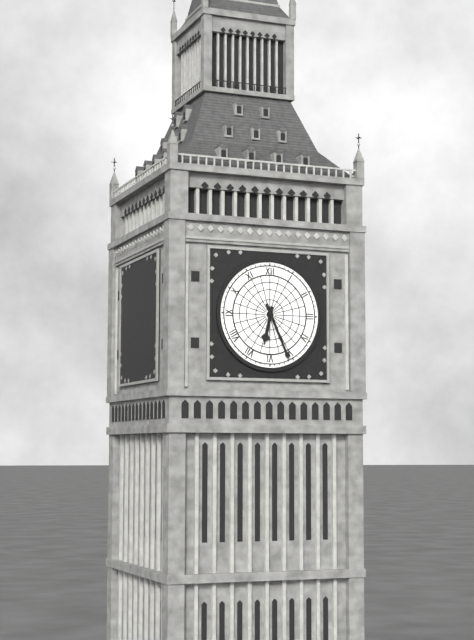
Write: 6:26
